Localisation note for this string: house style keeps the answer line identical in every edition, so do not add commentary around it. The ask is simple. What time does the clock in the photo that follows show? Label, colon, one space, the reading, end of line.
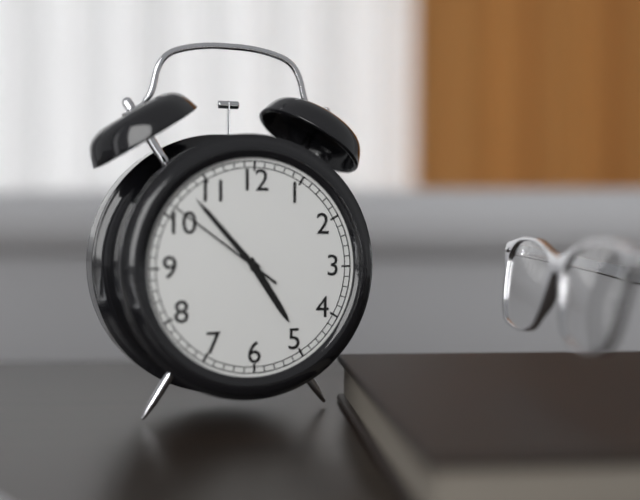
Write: 4:53:51
